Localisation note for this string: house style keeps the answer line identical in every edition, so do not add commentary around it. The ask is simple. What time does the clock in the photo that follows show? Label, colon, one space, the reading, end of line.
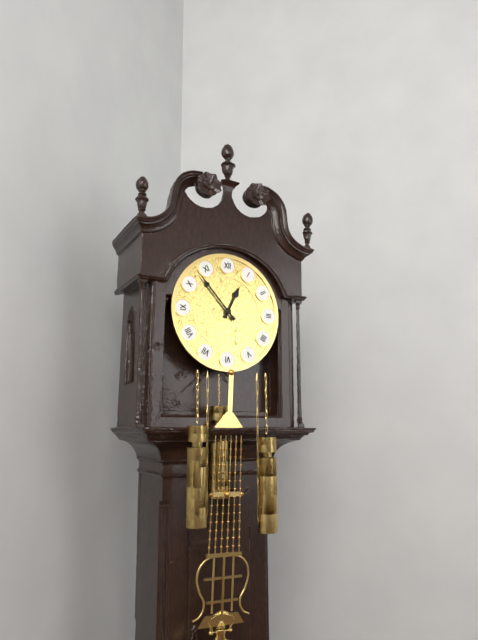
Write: 12:53
